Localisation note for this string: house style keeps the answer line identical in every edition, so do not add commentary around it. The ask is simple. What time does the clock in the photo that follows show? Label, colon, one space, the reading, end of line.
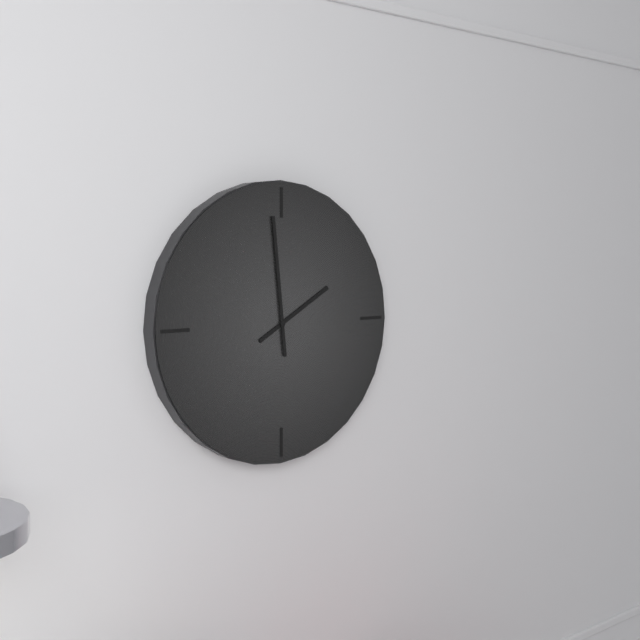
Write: 1:59
